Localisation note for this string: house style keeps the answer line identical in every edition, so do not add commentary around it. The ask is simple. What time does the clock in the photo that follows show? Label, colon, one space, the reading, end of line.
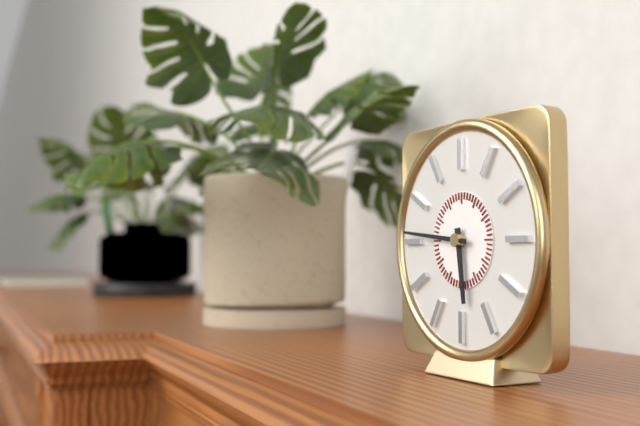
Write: 5:46
